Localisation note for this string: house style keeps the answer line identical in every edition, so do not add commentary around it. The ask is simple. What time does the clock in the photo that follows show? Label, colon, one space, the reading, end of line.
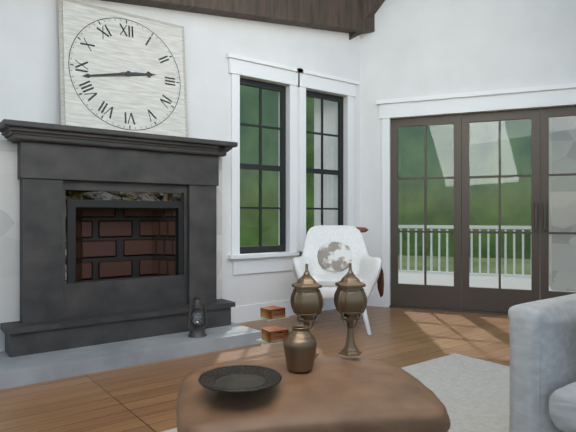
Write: 2:43
